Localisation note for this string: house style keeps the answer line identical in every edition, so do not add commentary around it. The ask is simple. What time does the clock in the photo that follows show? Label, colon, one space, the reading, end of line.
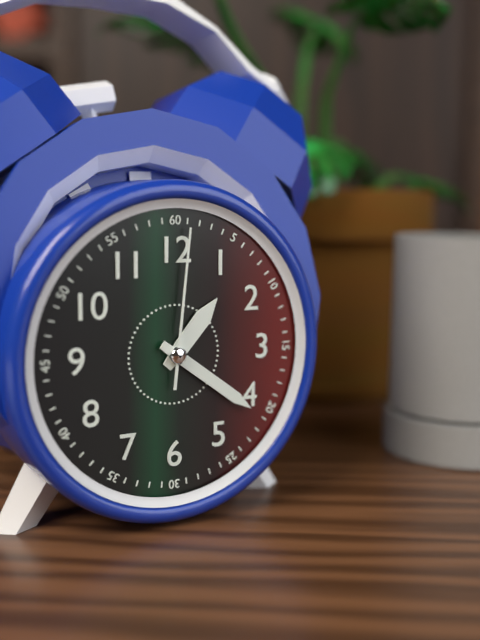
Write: 1:21:01
